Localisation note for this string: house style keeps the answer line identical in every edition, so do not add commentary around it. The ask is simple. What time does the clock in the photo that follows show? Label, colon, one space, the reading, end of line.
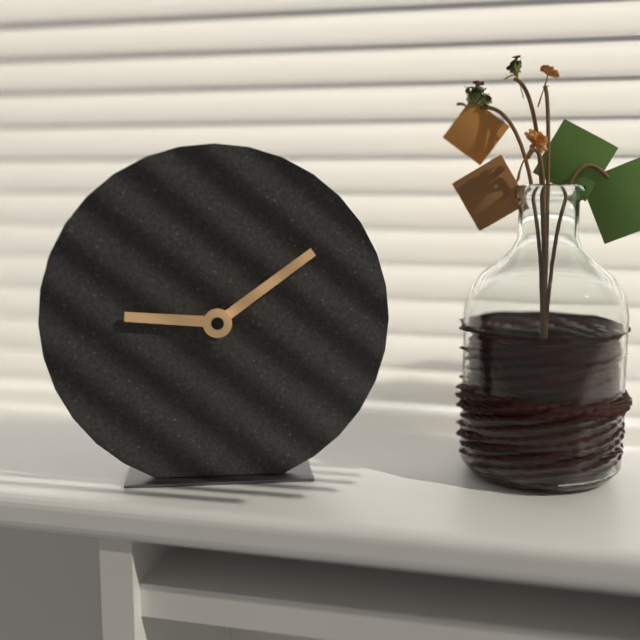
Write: 9:09
